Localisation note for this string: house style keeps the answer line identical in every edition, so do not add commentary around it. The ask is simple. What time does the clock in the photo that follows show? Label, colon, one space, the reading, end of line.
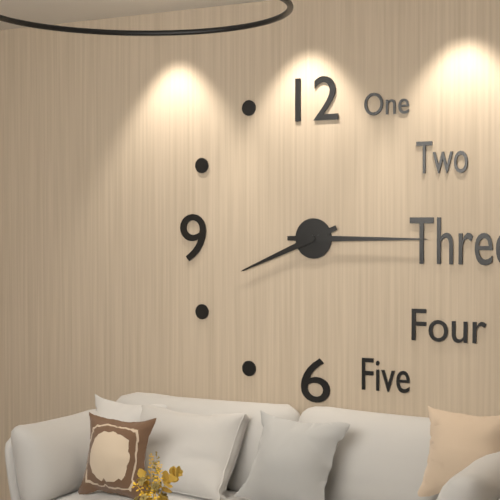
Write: 8:15
